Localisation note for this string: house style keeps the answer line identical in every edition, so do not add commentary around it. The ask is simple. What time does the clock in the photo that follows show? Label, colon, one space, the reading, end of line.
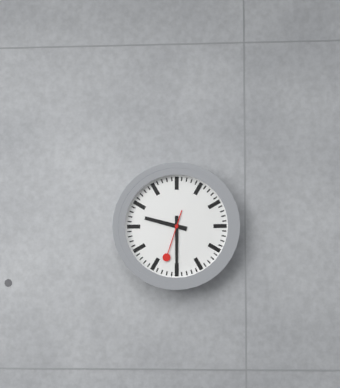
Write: 9:30
